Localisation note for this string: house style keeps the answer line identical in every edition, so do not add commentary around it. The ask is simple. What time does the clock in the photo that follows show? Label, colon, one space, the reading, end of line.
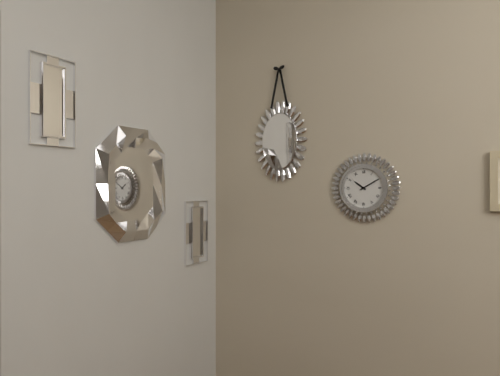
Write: 10:10
